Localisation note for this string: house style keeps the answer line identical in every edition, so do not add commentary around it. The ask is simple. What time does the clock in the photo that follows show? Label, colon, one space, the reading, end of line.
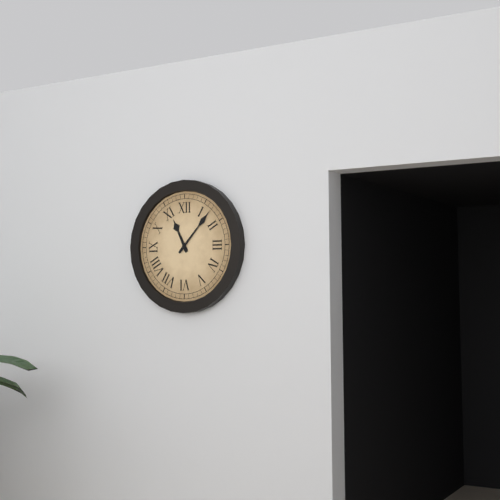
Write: 11:07
